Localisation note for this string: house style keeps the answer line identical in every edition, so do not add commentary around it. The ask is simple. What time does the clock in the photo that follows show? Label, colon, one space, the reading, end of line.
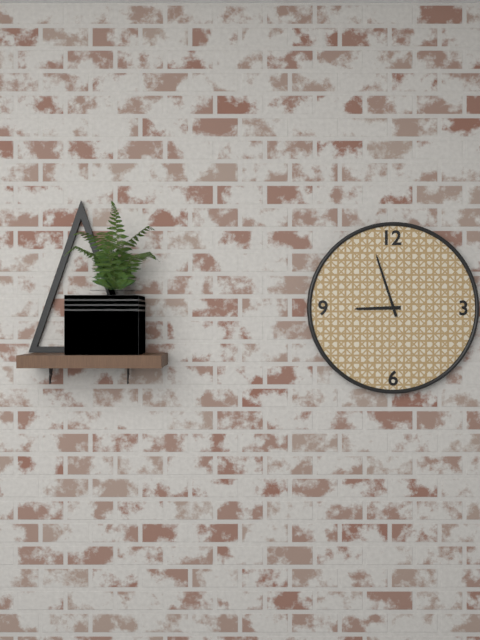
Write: 8:57
